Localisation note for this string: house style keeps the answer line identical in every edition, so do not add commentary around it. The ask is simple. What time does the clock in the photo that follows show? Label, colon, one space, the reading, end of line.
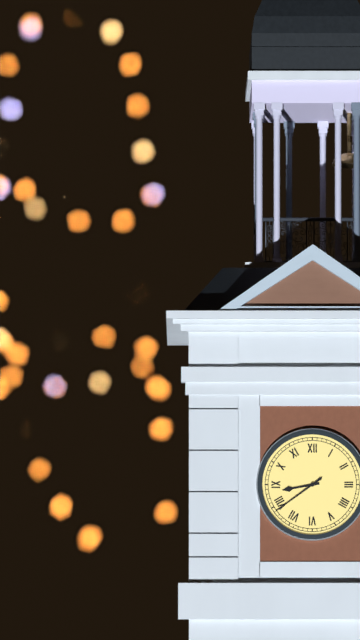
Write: 8:39
